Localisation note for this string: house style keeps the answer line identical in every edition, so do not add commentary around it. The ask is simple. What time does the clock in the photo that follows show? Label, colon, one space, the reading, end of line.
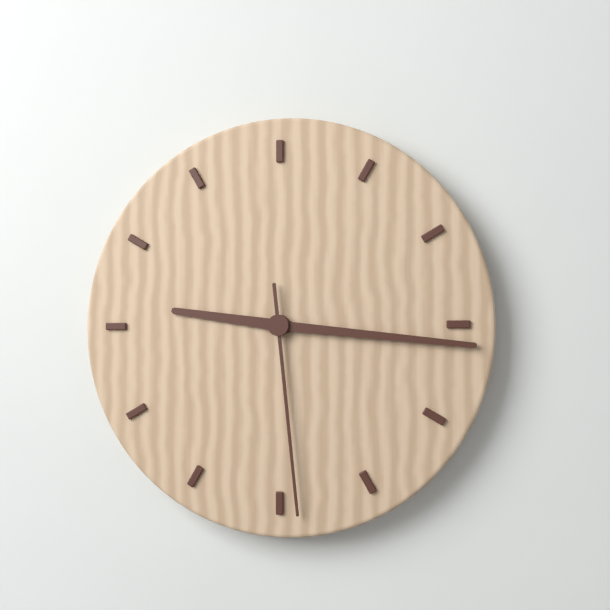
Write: 9:16:29
